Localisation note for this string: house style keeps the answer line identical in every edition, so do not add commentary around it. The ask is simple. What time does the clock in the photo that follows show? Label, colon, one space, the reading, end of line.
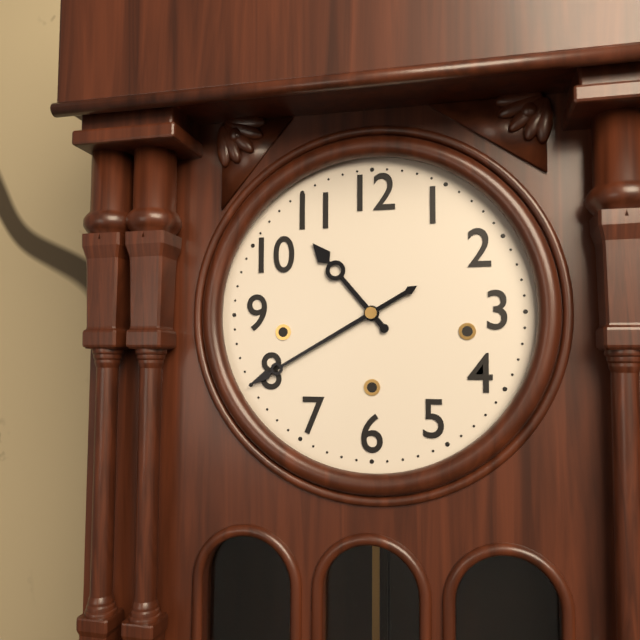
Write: 10:40
